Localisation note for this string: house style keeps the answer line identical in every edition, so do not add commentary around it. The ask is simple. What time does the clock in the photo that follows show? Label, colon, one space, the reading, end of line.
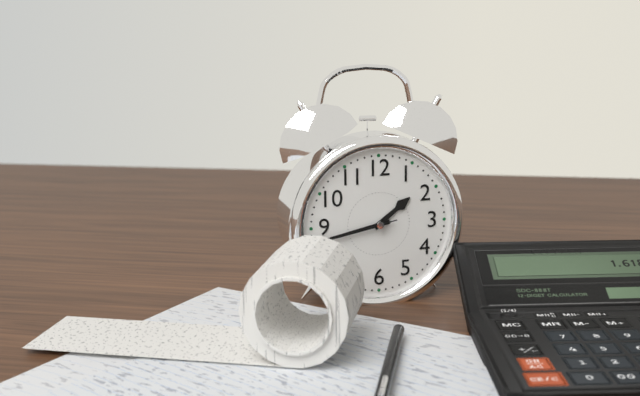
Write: 1:43:43
